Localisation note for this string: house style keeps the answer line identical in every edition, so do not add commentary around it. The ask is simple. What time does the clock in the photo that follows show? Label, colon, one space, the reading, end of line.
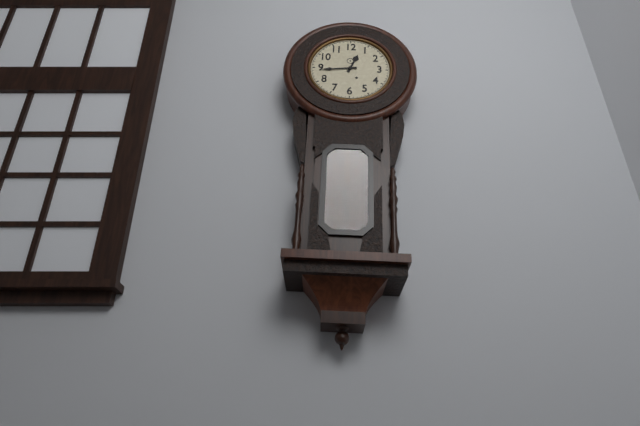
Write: 12:44
